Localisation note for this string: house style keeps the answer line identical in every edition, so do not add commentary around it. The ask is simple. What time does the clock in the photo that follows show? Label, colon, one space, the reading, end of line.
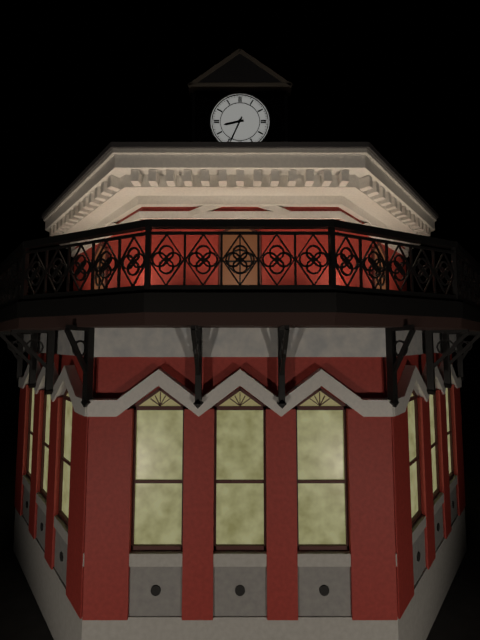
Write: 8:34
